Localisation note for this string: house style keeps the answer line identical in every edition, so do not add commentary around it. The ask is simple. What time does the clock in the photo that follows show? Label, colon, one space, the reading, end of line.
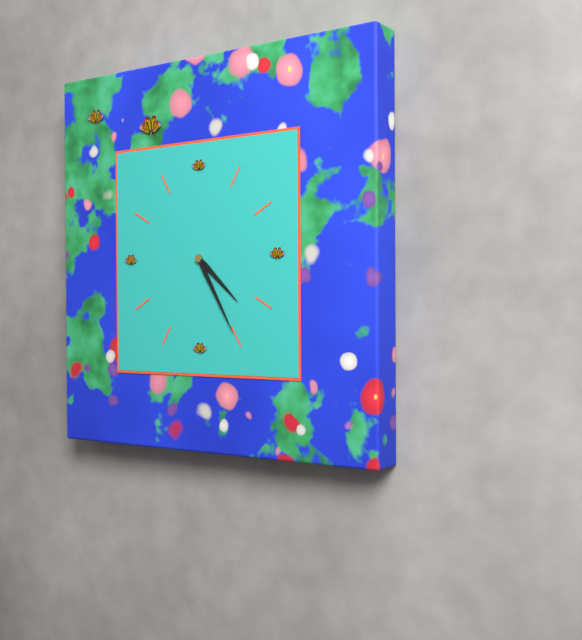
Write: 4:25
